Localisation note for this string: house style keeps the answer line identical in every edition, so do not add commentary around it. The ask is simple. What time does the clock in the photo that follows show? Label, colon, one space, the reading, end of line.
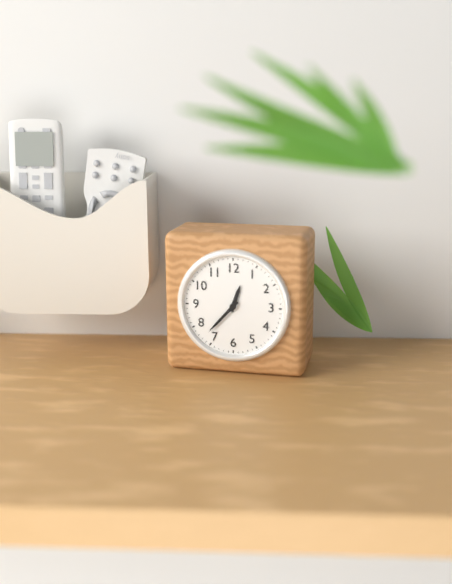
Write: 12:37
